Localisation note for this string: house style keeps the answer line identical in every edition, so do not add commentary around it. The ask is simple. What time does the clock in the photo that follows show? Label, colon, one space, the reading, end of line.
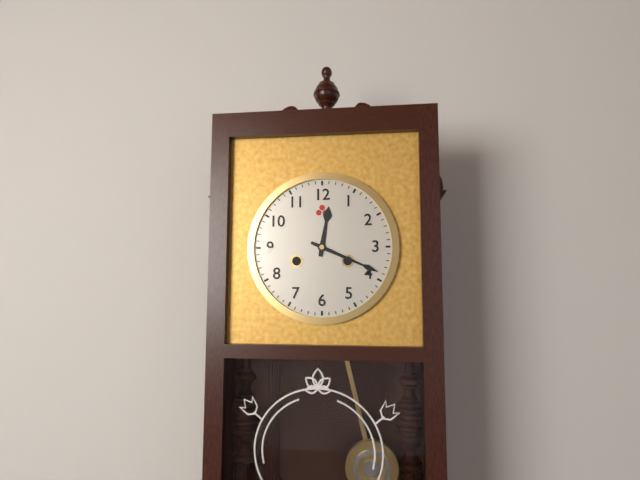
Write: 12:19
